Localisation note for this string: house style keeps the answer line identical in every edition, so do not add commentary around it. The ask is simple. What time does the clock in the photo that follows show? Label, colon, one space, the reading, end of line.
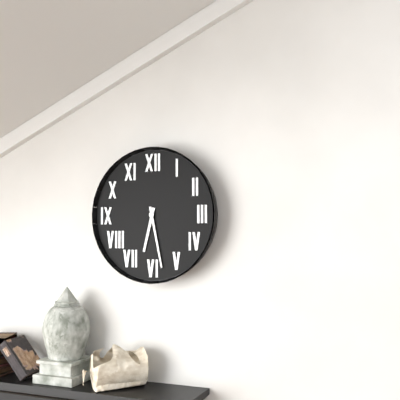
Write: 6:28
